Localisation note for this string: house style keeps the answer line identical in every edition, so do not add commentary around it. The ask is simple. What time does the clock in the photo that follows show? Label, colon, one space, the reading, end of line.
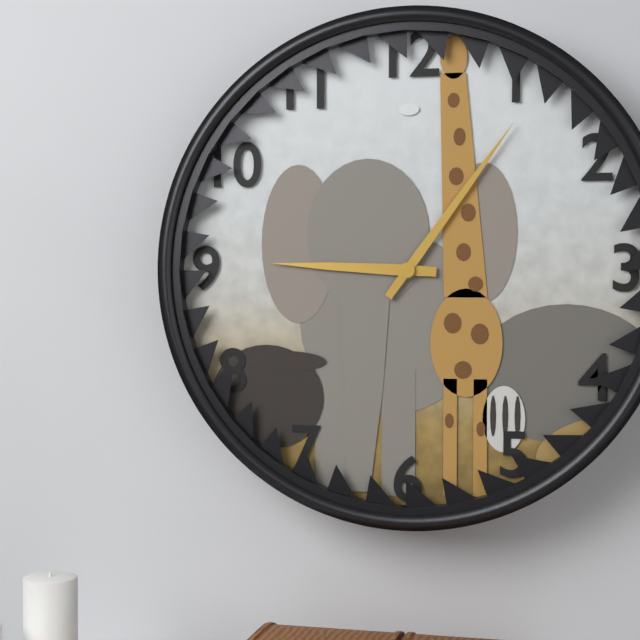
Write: 9:06
